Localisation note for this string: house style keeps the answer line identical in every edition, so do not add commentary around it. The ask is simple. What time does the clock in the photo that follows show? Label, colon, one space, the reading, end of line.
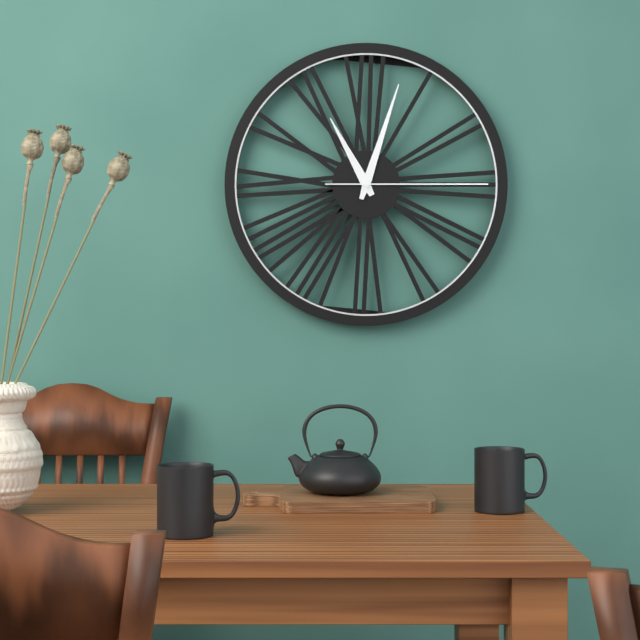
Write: 11:03:15
